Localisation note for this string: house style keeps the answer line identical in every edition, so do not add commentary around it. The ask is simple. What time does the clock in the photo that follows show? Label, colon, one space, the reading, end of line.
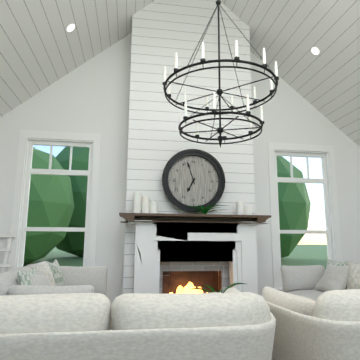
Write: 6:57
